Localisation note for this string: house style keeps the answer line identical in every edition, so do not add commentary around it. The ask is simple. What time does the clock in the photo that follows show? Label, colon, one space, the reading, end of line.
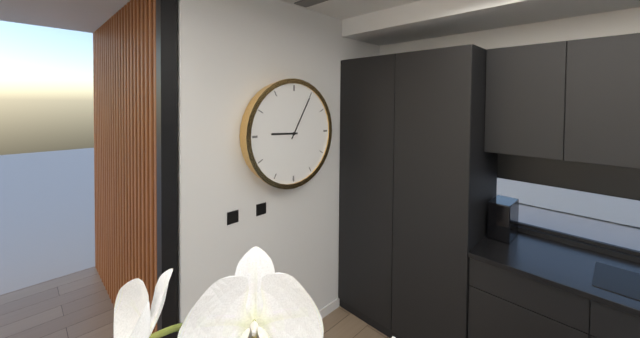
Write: 9:05
